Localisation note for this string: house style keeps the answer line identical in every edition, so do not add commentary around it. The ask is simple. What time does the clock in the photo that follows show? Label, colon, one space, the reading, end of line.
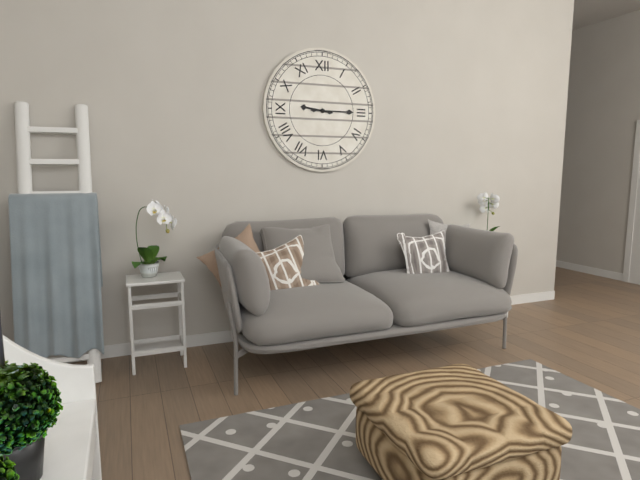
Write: 9:15
